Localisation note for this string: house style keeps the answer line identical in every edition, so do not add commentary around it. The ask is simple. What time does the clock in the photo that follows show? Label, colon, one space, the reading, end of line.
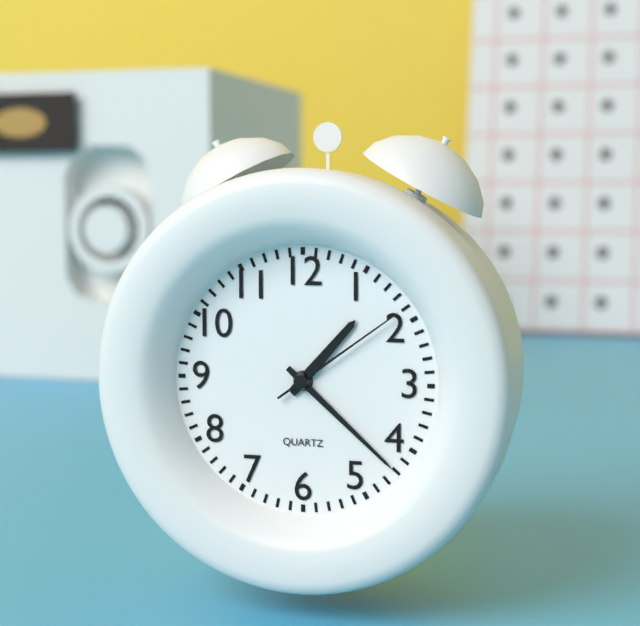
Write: 1:22:09
